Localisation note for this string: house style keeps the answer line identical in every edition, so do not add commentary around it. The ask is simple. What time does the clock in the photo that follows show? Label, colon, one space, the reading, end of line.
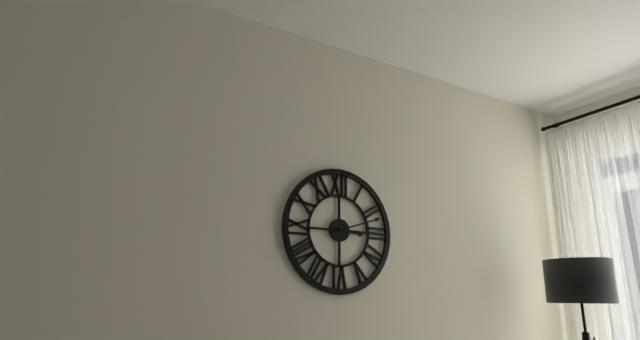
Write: 3:12
